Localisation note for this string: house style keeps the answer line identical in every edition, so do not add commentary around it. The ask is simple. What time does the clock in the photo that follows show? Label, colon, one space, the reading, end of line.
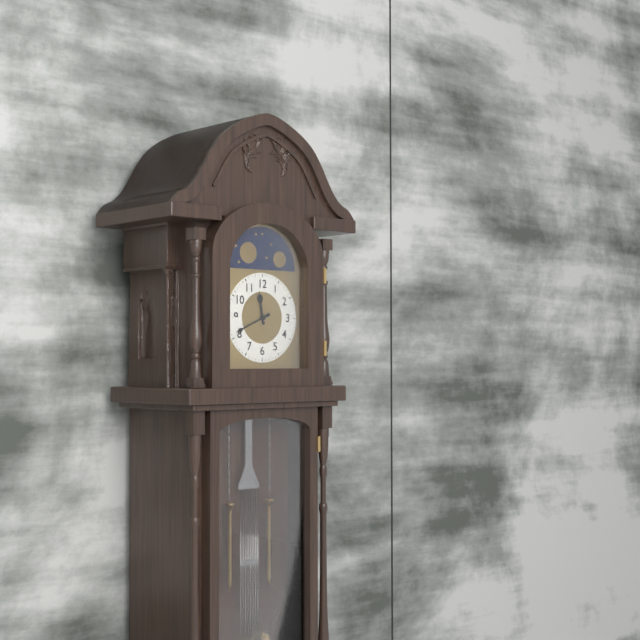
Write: 11:41
